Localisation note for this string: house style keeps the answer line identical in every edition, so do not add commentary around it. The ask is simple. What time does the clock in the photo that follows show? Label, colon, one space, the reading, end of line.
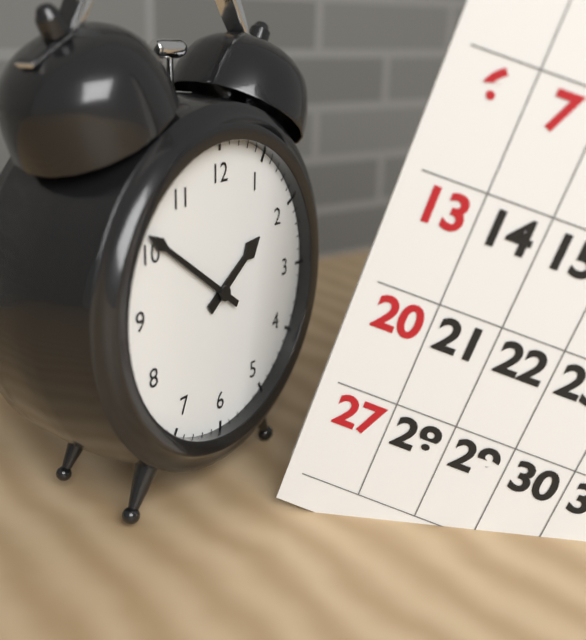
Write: 1:51
